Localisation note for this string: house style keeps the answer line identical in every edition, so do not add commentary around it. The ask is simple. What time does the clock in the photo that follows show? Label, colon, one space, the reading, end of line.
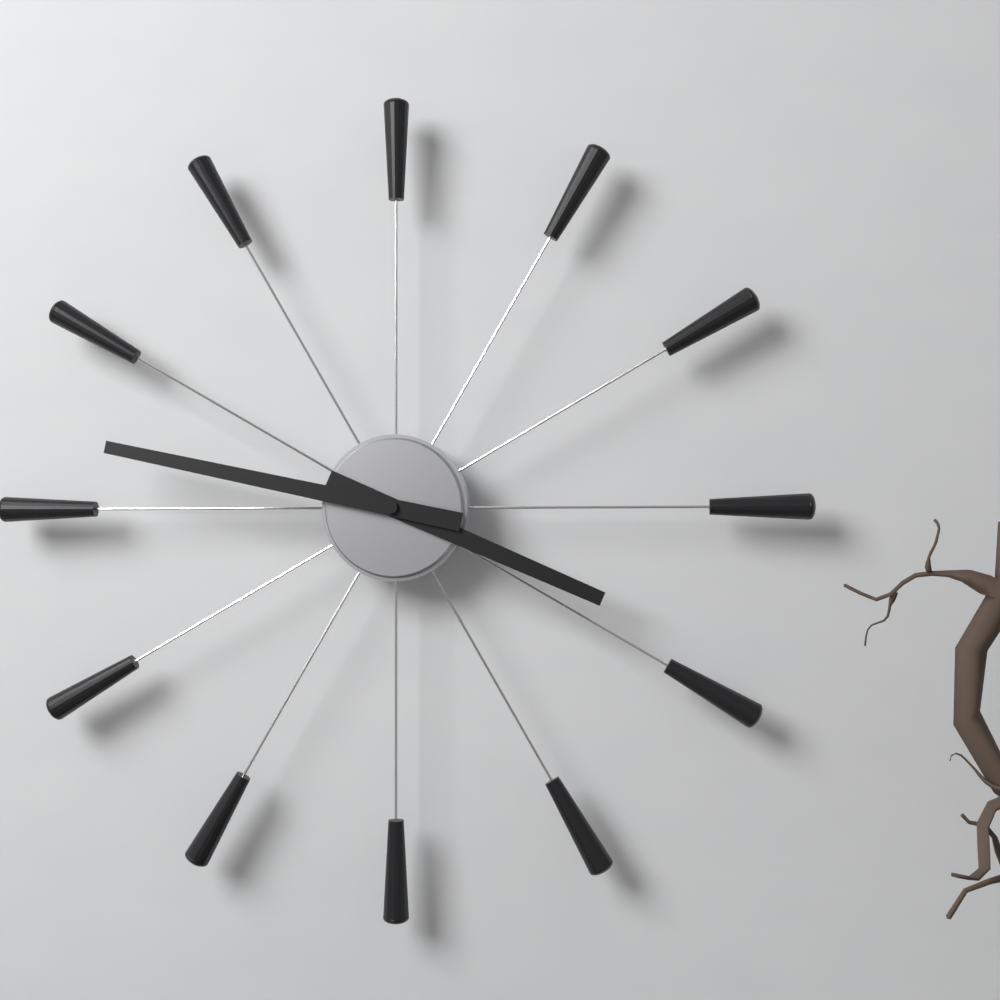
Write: 3:47
